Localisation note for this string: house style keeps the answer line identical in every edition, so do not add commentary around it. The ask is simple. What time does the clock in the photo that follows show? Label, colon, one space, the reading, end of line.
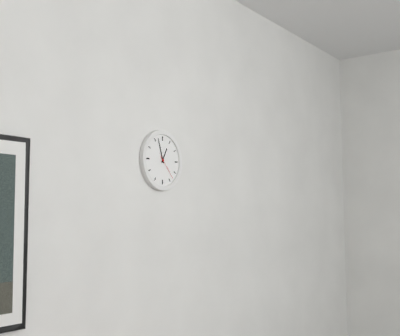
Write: 12:57
